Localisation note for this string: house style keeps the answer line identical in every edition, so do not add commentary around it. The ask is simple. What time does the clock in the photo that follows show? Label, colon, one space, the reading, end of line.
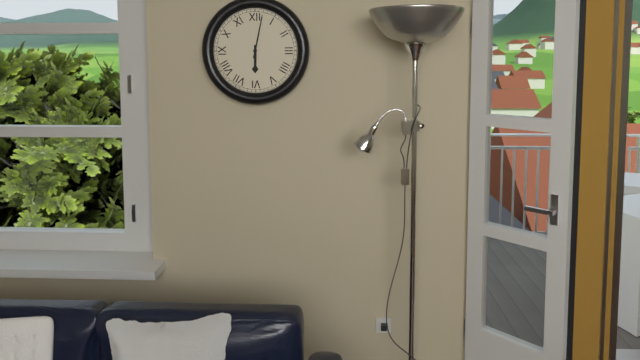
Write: 6:02
